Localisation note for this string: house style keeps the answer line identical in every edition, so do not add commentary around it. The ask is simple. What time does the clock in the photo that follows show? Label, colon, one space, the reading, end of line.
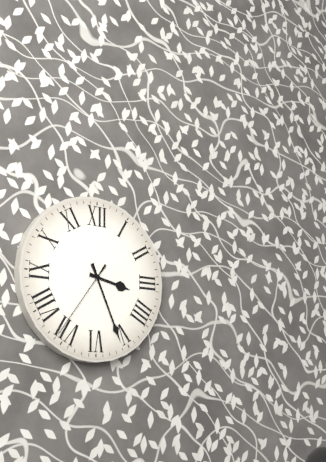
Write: 3:26:36
